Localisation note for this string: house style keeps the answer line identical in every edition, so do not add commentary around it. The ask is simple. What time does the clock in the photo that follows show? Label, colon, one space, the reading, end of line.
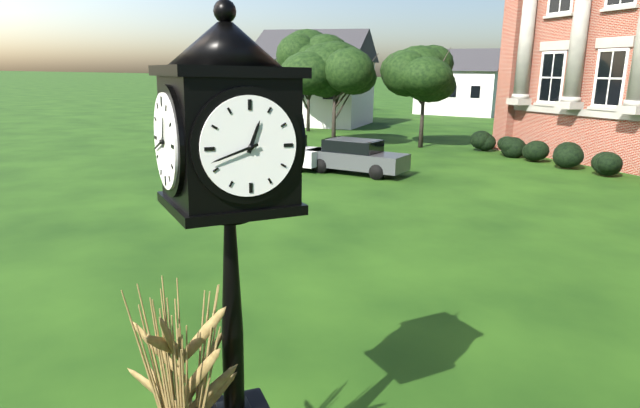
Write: 12:42
